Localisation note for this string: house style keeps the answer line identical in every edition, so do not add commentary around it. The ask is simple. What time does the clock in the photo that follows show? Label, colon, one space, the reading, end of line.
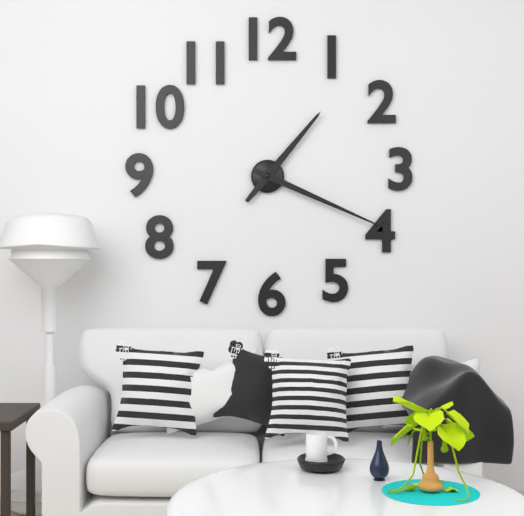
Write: 1:19
